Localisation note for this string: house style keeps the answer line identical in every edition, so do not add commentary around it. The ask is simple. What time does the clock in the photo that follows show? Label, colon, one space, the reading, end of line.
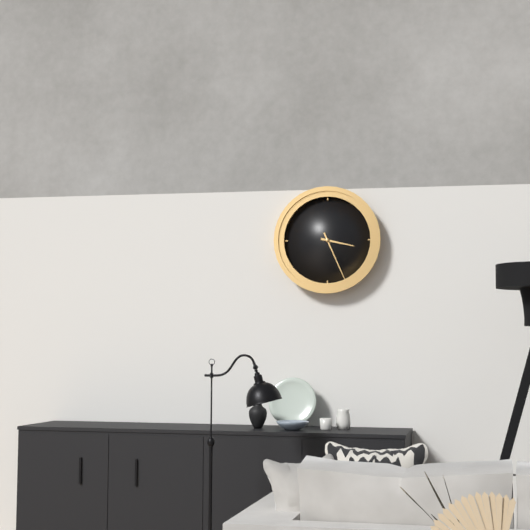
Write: 3:26
